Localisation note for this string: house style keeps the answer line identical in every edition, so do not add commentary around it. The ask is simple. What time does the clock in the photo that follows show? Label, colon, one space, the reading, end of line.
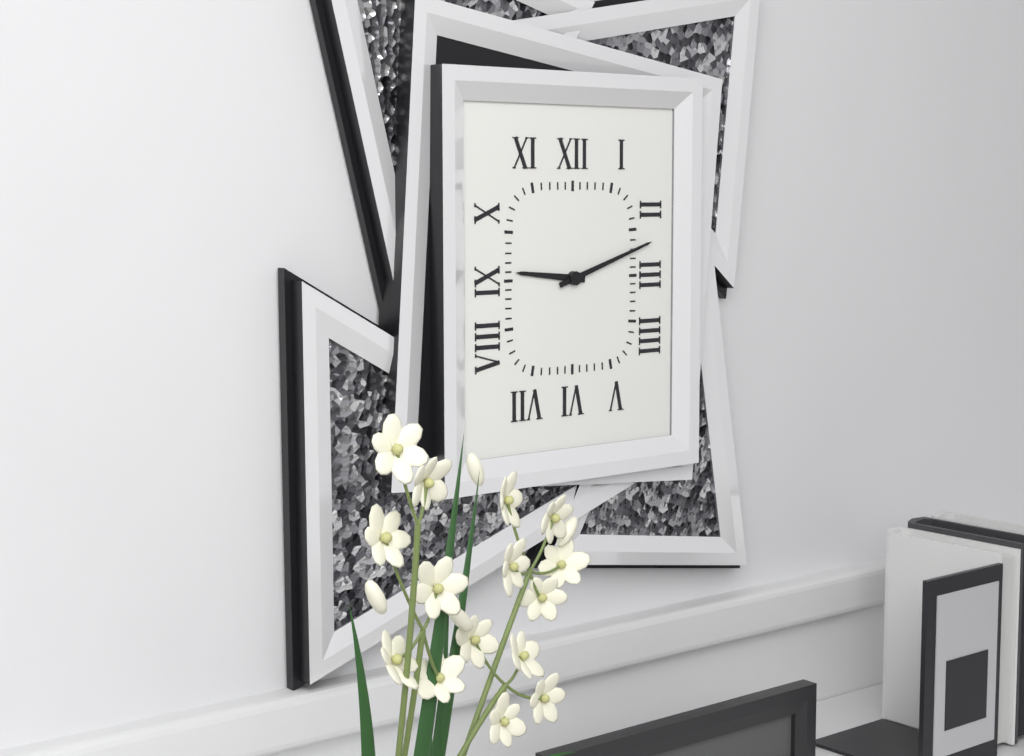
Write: 9:12
